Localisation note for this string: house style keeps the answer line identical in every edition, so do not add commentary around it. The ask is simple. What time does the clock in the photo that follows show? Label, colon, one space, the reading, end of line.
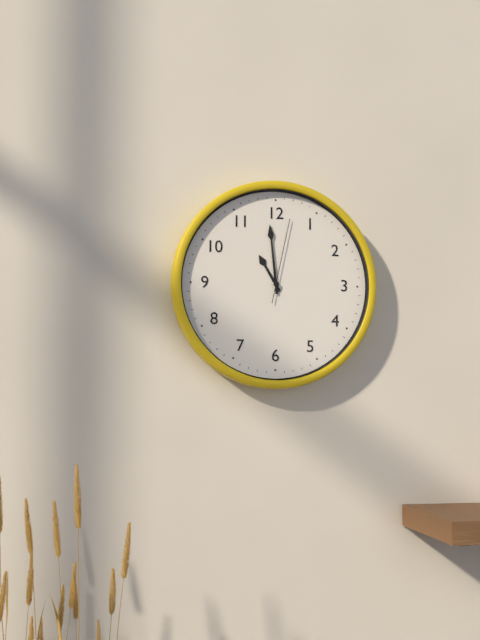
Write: 10:59:02
